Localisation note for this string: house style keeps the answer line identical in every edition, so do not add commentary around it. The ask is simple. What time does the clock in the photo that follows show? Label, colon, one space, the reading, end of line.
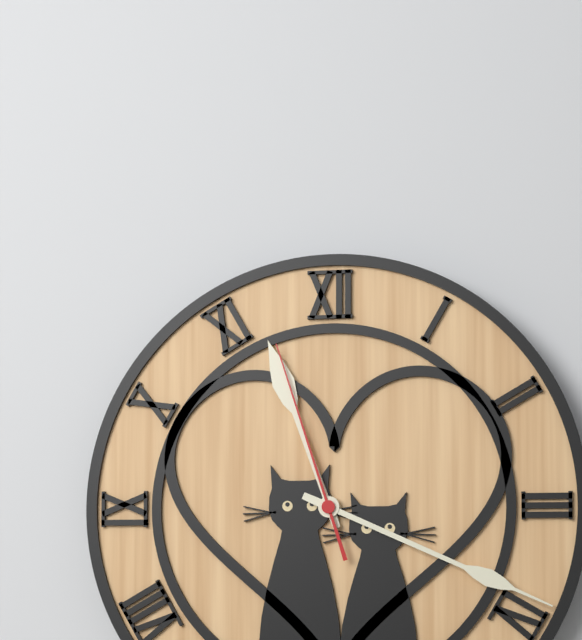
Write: 11:19:57
